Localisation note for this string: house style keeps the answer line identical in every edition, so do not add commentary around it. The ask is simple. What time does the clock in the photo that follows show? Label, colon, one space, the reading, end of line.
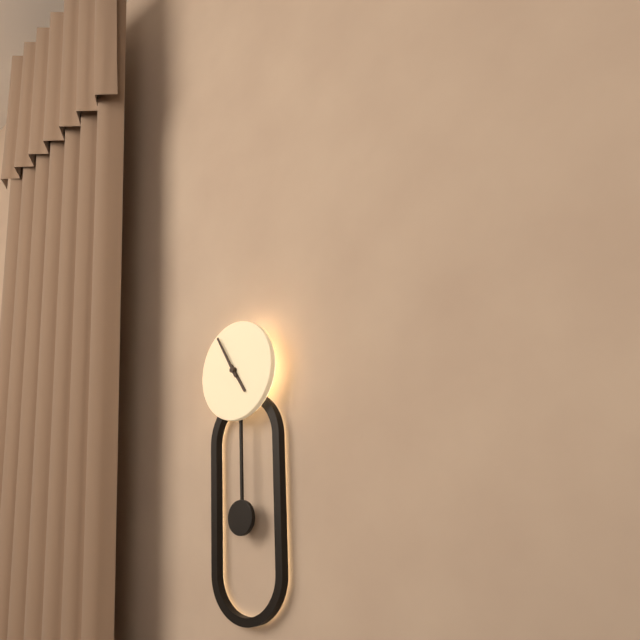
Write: 4:55
